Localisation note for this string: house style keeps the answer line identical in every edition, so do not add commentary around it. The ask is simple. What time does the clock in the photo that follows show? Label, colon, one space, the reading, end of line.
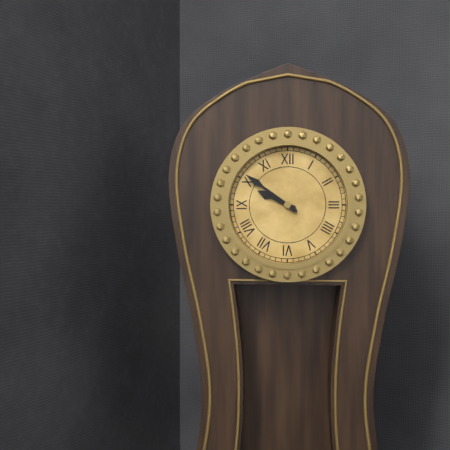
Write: 9:51
